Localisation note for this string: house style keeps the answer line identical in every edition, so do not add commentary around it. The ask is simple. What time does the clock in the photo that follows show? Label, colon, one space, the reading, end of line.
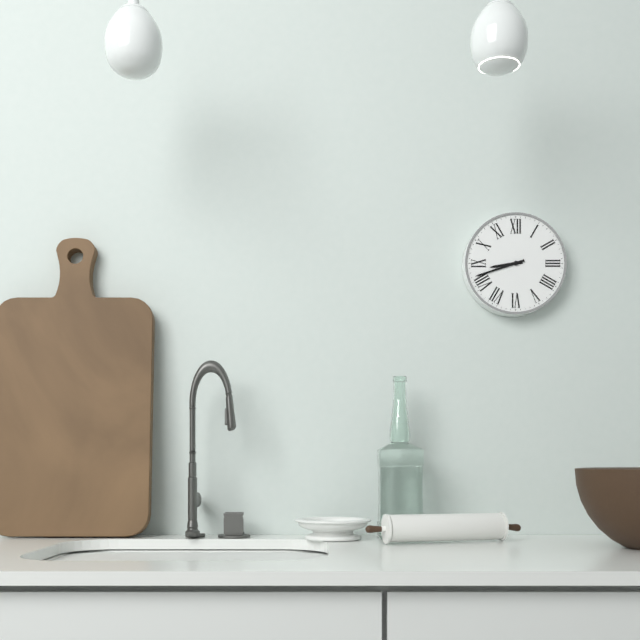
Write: 8:42
